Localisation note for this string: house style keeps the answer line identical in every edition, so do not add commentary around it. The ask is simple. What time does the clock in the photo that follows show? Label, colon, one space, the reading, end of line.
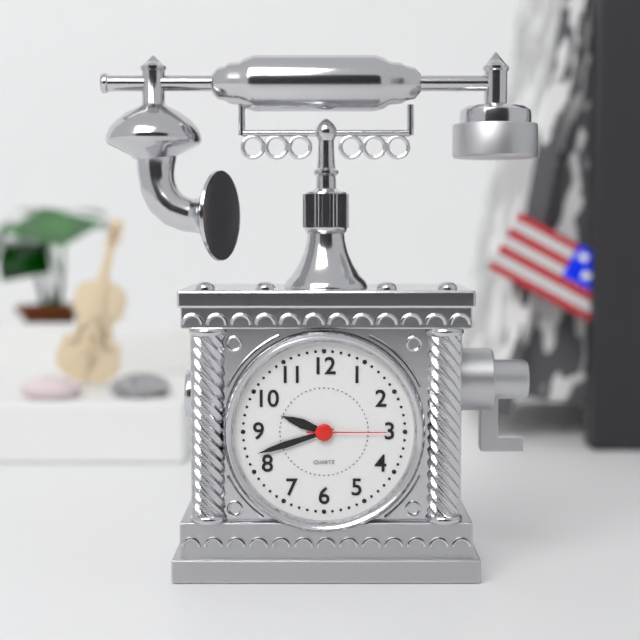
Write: 9:42:15
